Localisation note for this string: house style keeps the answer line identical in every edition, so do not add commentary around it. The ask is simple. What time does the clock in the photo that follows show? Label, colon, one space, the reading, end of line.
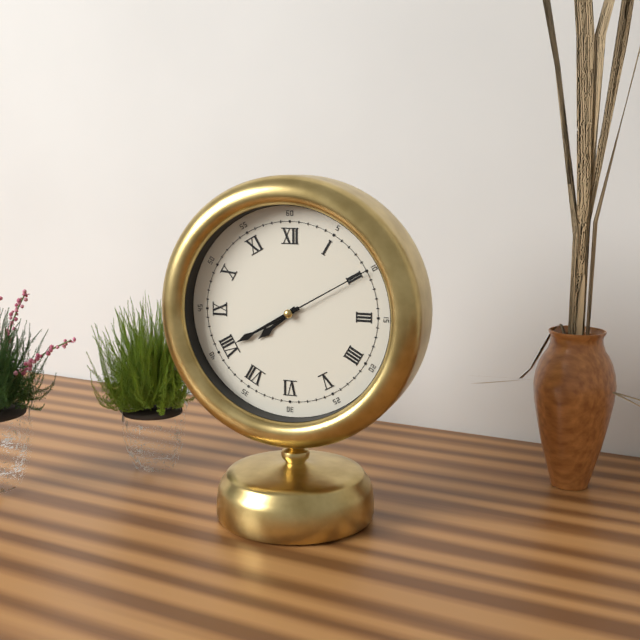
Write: 7:40:10
